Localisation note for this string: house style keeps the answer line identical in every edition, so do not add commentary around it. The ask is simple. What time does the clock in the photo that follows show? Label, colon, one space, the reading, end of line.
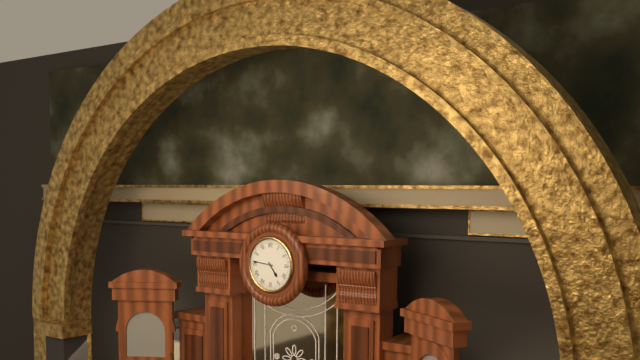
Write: 4:46
